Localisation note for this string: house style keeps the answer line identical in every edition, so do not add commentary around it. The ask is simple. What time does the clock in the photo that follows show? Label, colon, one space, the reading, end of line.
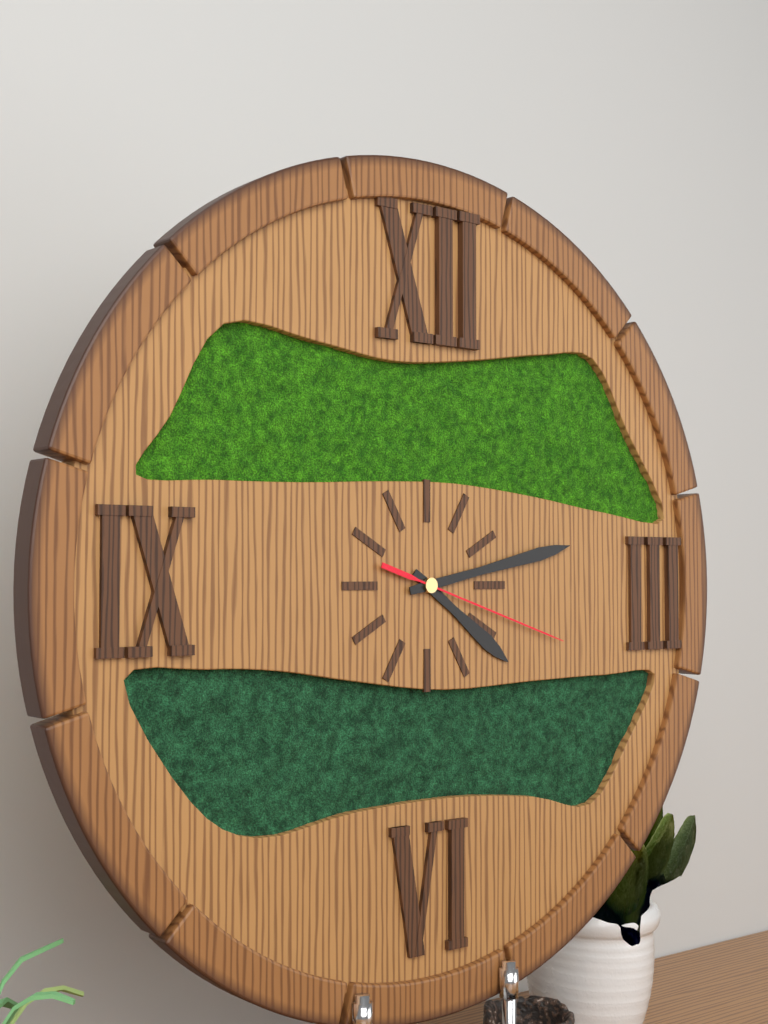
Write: 4:13:18
